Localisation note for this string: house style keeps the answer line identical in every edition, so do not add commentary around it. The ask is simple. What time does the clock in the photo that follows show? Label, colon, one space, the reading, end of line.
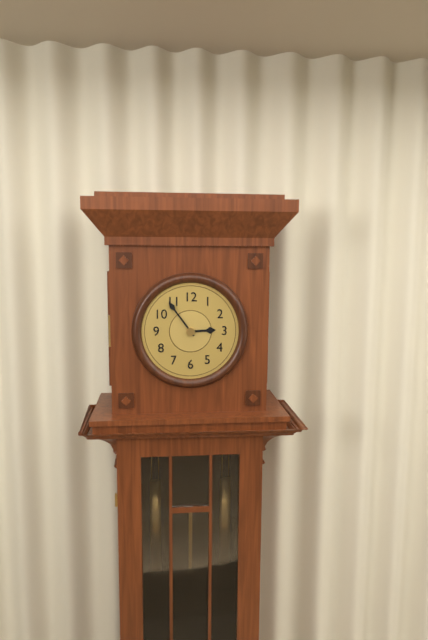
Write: 2:54
